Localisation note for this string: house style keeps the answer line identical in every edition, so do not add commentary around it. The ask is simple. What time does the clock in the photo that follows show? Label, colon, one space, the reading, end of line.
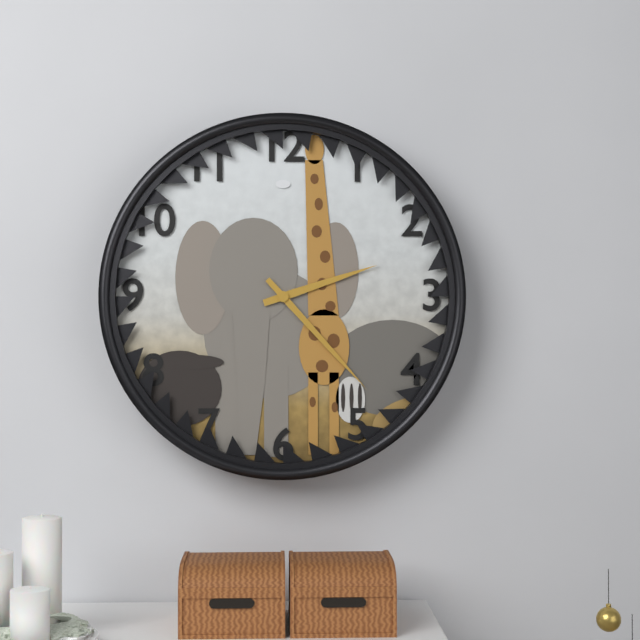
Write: 2:23
